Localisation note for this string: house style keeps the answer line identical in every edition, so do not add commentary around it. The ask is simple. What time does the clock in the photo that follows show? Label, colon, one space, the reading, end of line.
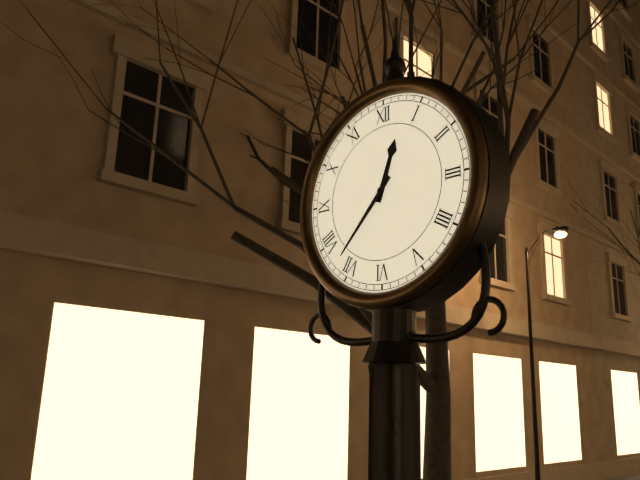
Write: 12:37
